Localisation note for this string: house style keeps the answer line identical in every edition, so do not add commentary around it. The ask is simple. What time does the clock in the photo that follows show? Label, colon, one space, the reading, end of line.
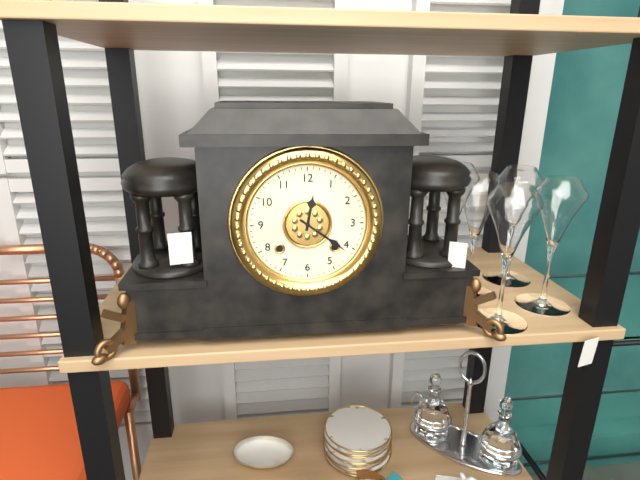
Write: 12:21
